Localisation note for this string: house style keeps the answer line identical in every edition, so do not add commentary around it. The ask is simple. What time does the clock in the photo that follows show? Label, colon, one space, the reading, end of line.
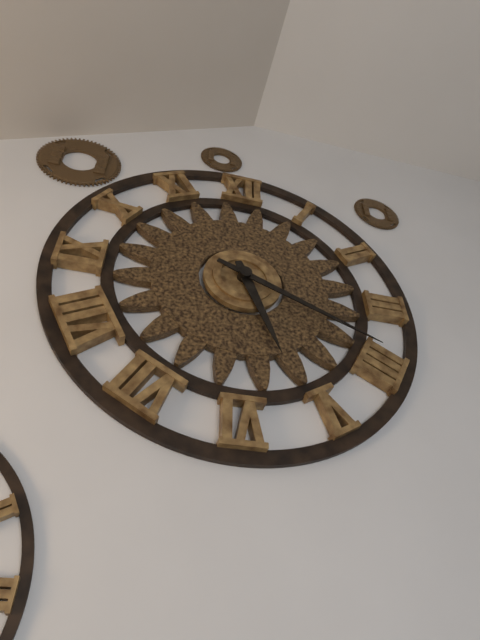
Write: 5:19
